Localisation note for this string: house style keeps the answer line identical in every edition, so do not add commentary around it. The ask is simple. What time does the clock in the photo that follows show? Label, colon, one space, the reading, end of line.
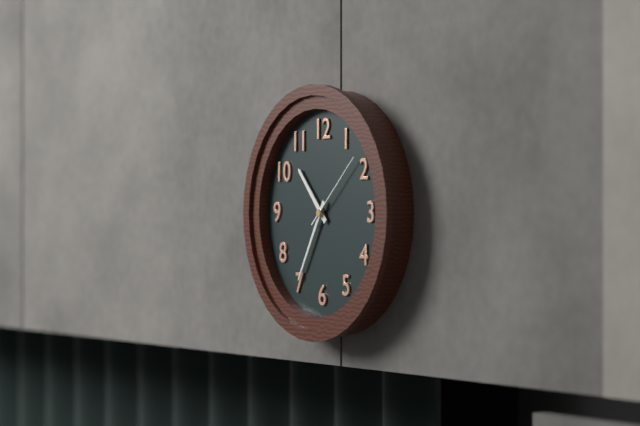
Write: 10:35:08
